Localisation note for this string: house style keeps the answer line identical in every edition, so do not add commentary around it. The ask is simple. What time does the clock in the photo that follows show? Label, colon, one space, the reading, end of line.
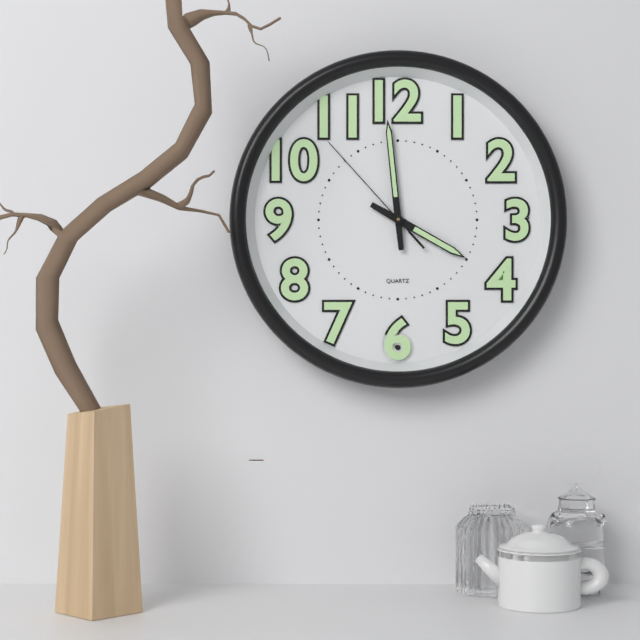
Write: 3:59:53
